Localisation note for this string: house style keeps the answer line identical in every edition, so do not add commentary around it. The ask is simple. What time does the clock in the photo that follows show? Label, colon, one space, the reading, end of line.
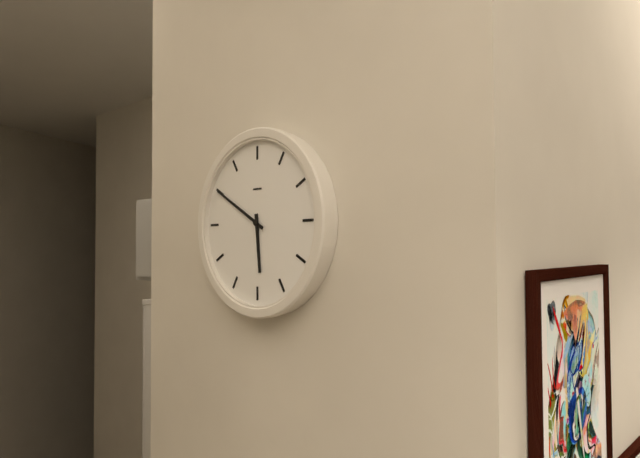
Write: 5:50
